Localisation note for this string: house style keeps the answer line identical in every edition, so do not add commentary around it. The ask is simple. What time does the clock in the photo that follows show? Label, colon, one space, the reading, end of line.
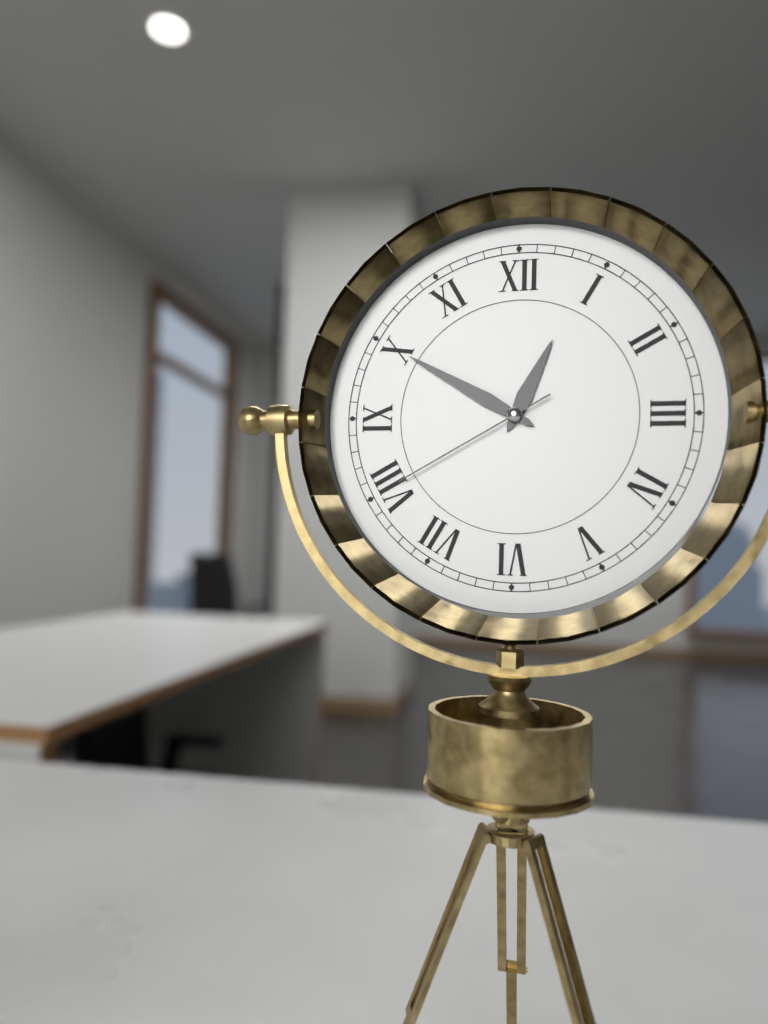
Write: 12:50:40
